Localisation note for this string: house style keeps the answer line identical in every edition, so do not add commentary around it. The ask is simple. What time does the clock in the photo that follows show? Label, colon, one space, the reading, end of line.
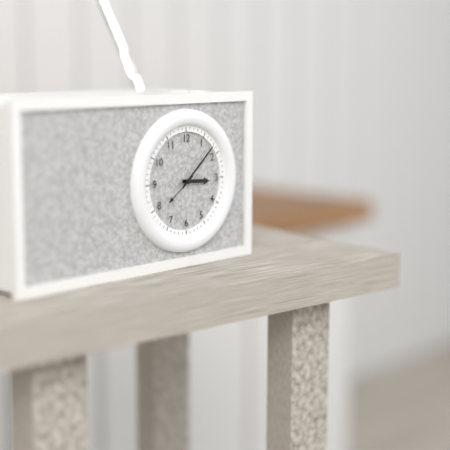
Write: 3:08
